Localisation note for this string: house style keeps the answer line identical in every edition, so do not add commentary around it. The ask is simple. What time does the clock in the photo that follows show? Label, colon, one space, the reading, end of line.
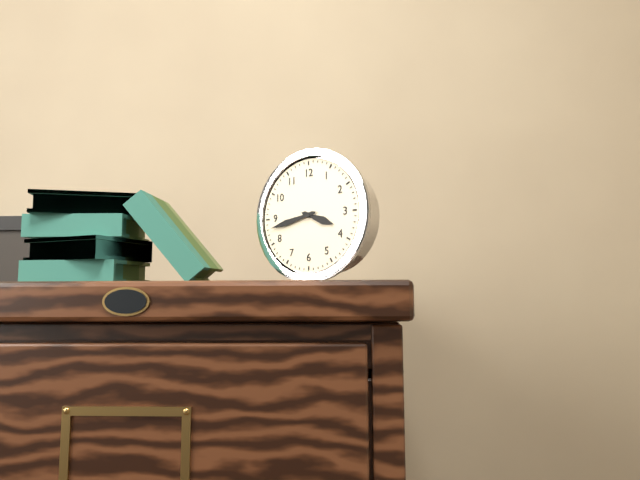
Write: 3:43
